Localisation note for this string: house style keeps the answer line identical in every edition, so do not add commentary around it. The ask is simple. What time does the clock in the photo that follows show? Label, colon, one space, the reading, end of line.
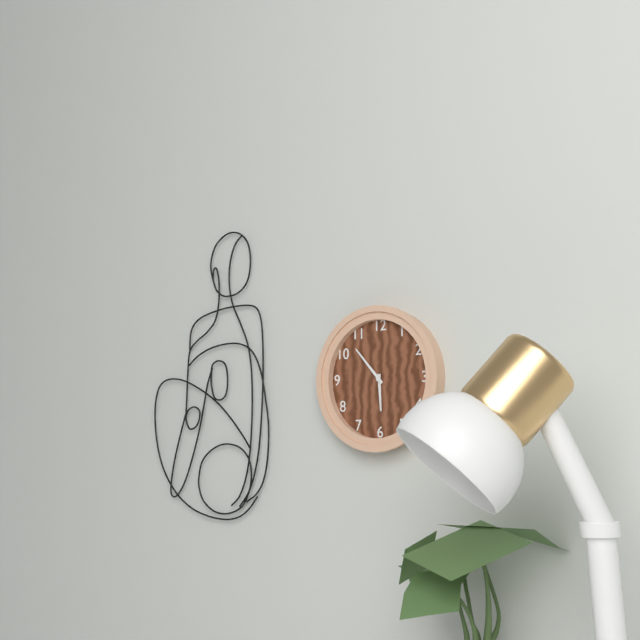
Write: 5:53
